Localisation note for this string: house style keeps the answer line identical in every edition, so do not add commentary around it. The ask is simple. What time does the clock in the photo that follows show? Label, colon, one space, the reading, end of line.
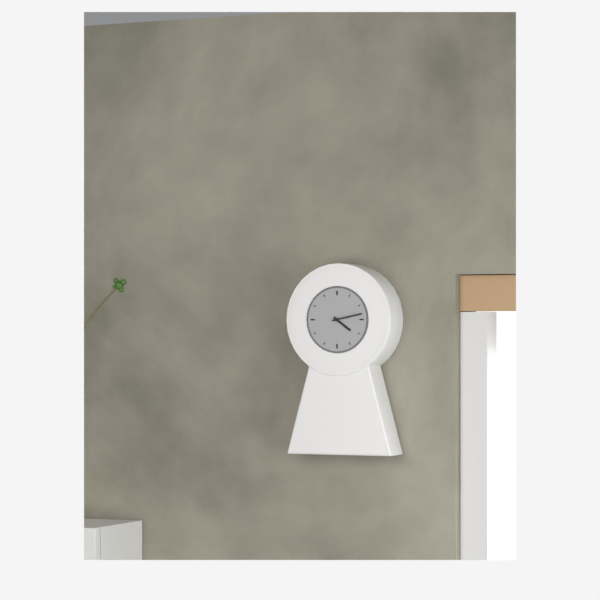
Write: 4:13
